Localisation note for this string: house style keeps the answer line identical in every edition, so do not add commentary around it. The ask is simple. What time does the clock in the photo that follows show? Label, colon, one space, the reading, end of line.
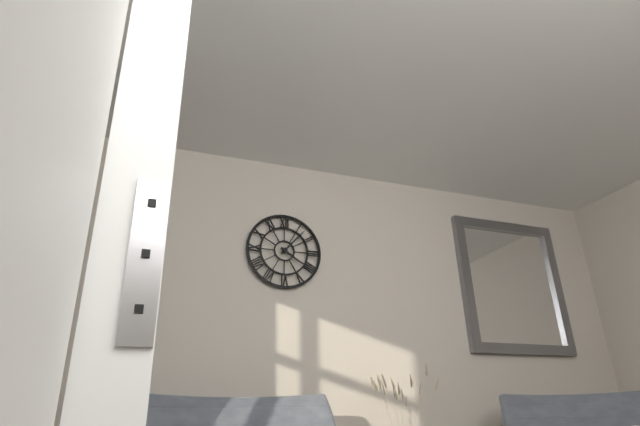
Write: 4:07
